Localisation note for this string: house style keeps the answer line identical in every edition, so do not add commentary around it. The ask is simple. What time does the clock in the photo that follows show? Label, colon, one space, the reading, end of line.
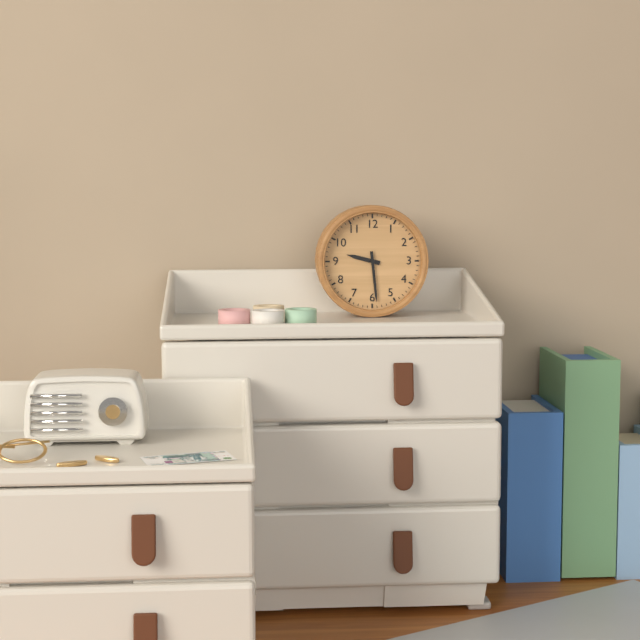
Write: 9:29
